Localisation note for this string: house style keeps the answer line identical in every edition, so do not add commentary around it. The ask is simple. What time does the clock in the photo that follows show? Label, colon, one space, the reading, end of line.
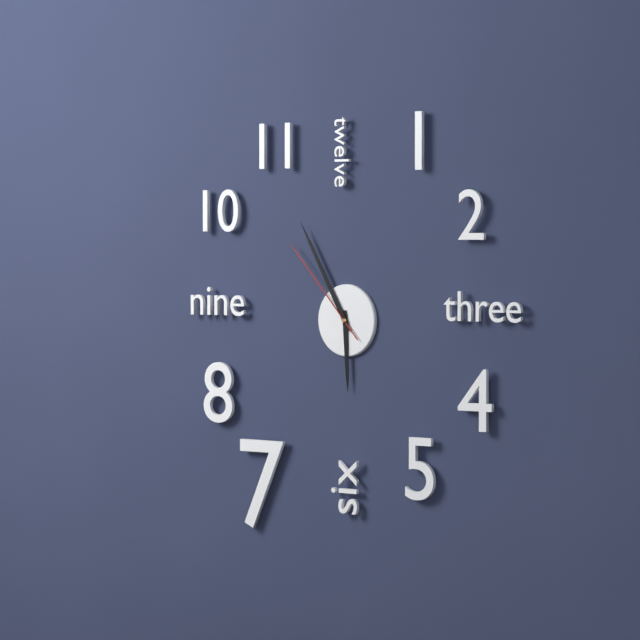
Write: 5:55:53
